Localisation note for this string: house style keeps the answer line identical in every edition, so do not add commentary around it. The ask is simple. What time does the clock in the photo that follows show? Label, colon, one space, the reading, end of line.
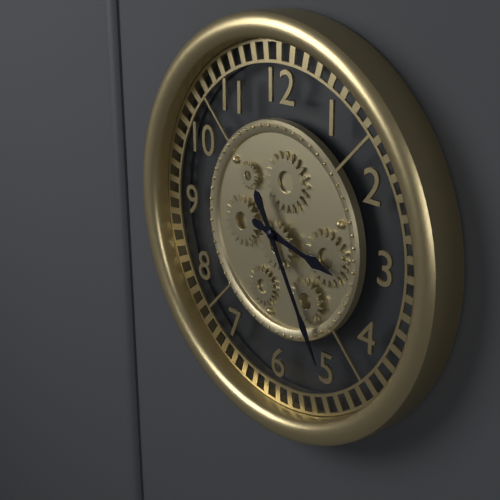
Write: 3:25
